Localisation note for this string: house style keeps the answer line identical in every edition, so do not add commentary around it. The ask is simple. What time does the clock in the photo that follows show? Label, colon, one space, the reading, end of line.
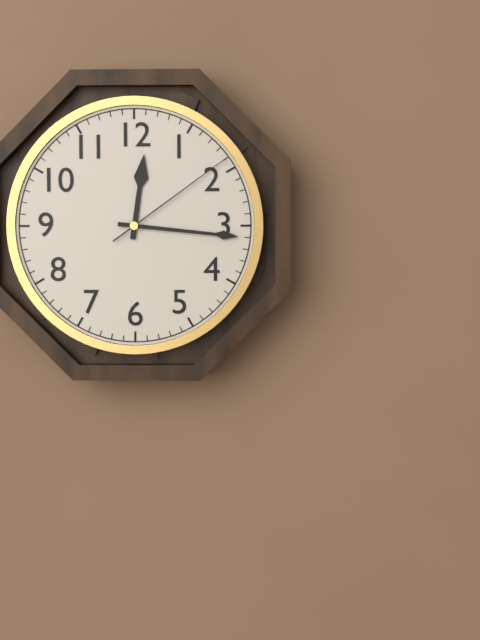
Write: 12:16:09
